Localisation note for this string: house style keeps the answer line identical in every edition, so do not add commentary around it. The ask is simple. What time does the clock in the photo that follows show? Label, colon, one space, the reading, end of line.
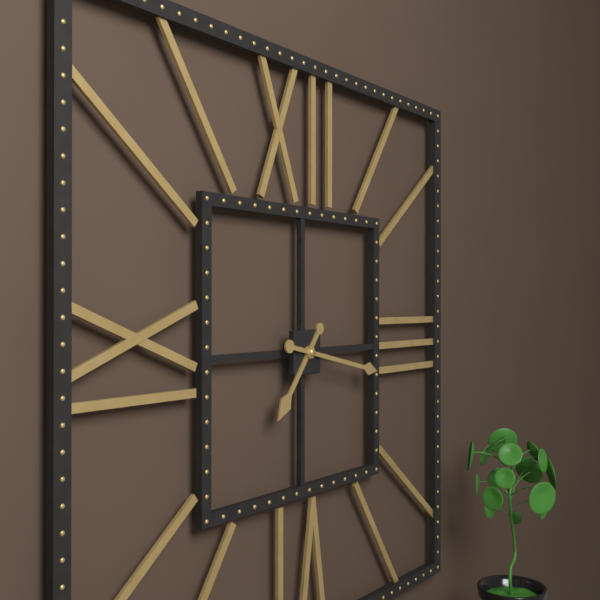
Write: 7:17
